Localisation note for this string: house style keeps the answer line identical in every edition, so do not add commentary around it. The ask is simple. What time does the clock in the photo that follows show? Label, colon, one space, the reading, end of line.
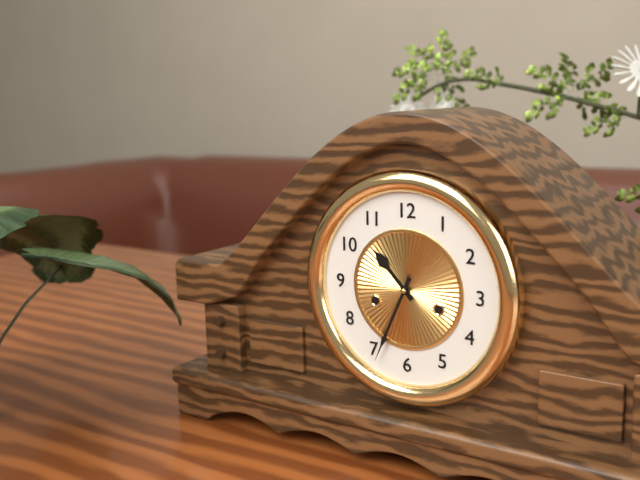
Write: 10:34
